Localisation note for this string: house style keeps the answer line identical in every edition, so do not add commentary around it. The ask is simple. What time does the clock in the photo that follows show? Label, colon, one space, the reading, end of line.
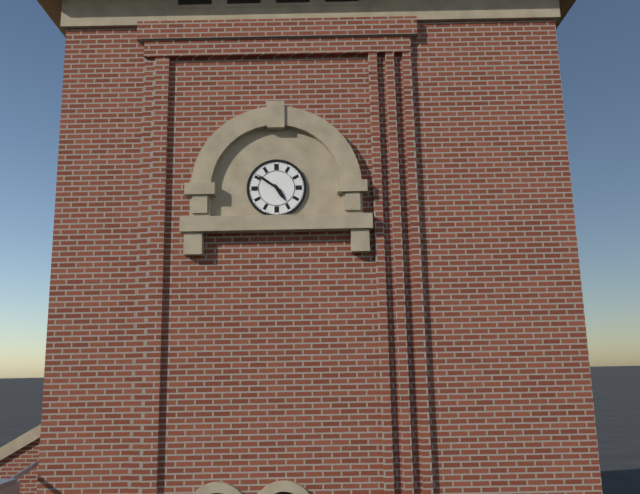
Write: 4:51
